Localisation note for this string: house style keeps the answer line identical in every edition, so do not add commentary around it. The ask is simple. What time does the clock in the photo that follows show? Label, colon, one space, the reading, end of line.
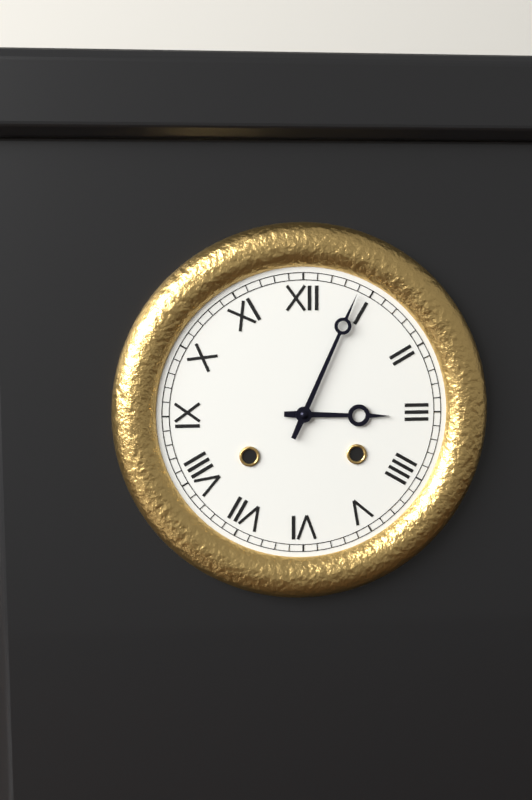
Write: 3:04
